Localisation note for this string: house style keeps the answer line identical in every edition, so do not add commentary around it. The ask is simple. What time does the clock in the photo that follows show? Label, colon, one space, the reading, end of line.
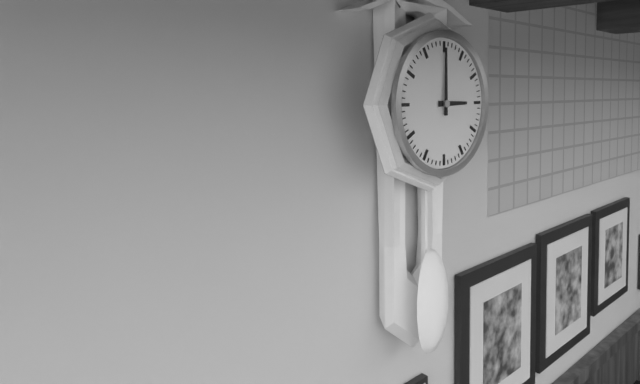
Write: 3:00
